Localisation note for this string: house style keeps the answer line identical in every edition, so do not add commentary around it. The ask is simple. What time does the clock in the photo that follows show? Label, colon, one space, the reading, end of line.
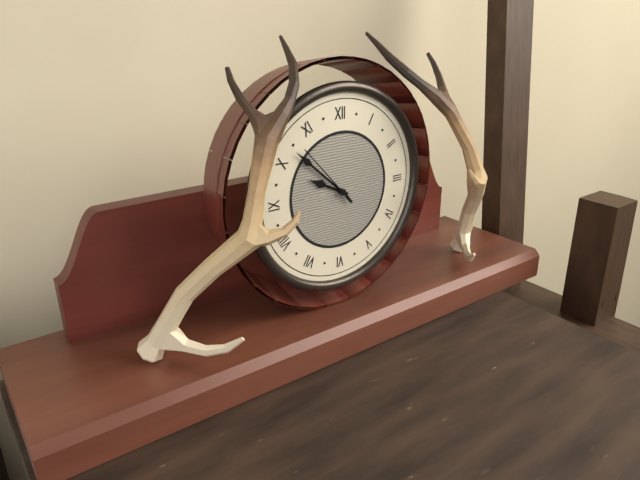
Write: 9:52:53
